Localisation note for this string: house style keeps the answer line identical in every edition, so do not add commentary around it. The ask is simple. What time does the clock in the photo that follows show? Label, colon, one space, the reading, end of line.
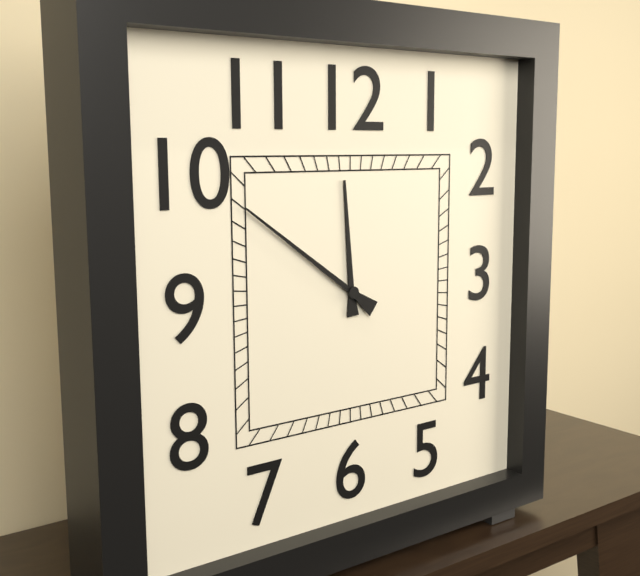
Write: 11:51
